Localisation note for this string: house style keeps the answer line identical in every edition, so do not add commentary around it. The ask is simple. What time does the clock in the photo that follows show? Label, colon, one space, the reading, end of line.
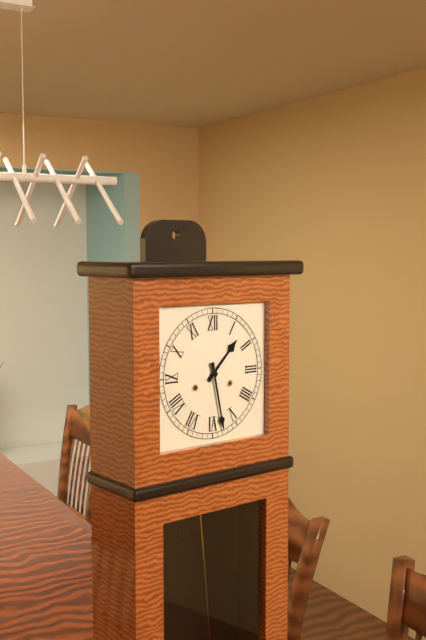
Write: 1:28
